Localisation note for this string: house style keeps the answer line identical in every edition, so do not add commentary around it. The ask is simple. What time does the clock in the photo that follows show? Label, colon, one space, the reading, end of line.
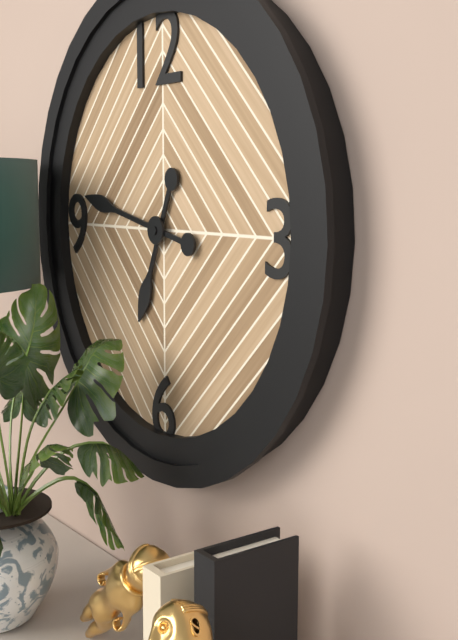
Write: 6:47
